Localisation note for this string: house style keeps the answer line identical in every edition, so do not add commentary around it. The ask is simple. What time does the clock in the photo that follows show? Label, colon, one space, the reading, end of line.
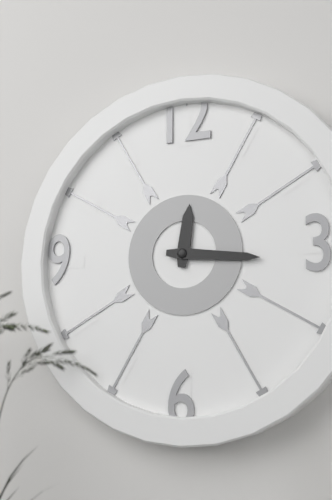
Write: 12:16
